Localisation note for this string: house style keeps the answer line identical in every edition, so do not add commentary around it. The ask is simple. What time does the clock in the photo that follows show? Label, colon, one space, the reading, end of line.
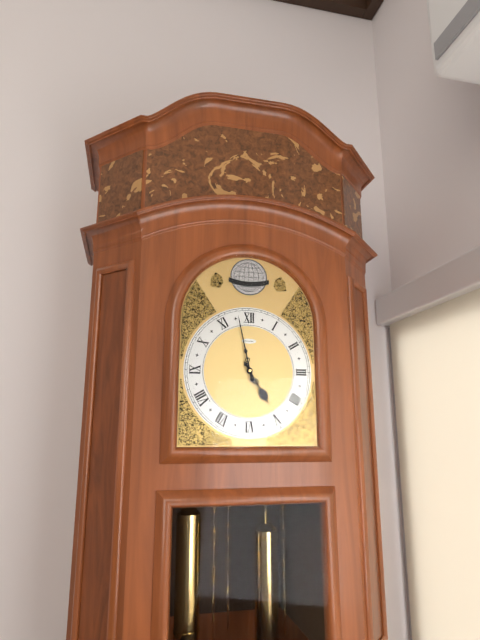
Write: 4:58
